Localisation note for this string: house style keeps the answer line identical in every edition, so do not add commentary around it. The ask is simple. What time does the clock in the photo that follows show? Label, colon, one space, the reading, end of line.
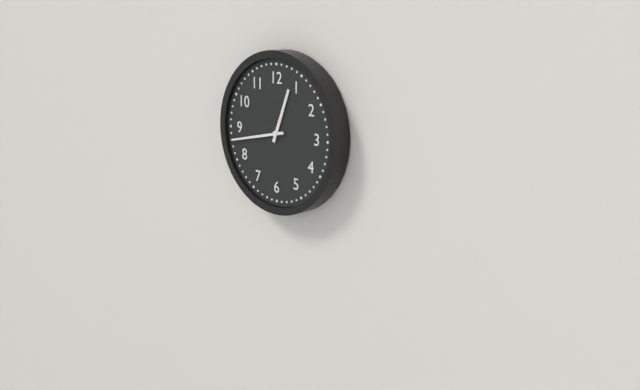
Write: 12:43
